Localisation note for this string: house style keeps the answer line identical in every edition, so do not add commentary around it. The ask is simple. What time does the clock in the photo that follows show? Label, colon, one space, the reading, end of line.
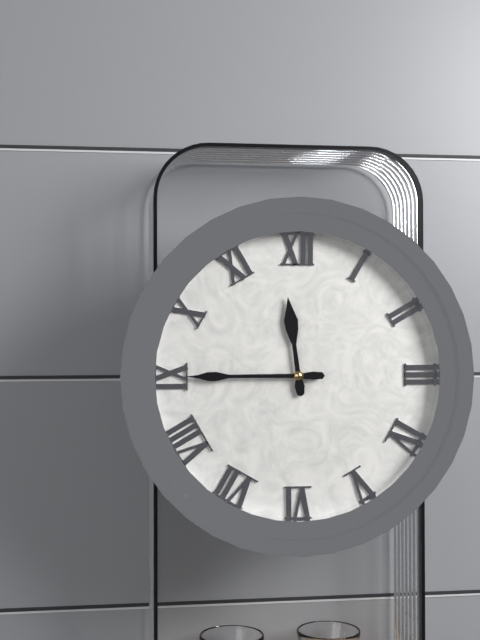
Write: 11:45
